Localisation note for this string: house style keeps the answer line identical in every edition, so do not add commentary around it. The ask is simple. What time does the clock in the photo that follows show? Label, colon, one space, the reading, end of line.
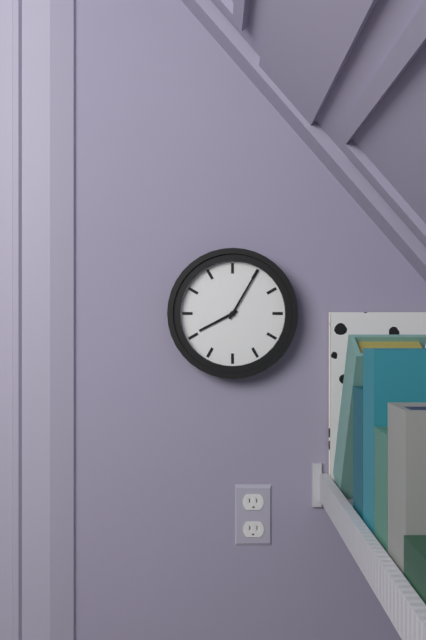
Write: 8:05
